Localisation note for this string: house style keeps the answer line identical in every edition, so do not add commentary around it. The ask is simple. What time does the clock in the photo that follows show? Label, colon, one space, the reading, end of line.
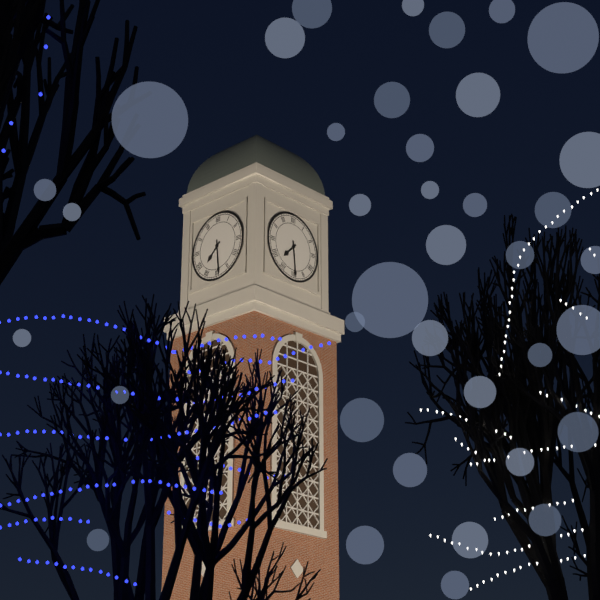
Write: 7:29
